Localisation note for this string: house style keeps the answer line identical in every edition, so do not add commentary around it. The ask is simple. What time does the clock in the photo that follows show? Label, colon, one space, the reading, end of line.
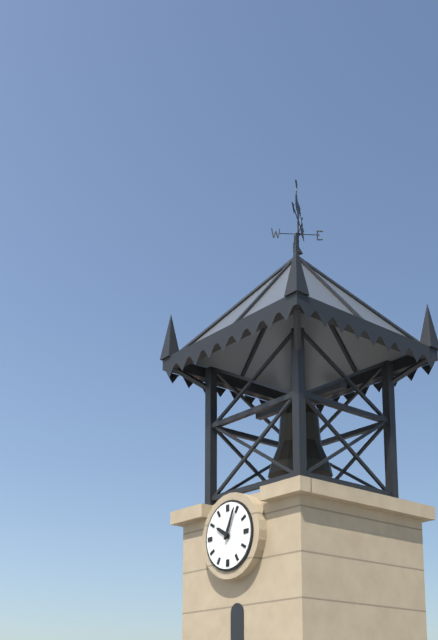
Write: 10:04
